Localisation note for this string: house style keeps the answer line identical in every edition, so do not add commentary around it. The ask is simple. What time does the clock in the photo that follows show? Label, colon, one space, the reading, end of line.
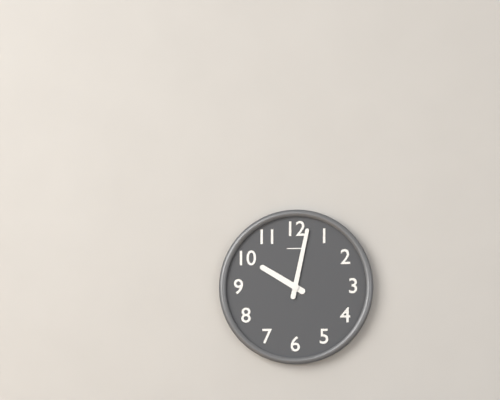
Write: 10:02
